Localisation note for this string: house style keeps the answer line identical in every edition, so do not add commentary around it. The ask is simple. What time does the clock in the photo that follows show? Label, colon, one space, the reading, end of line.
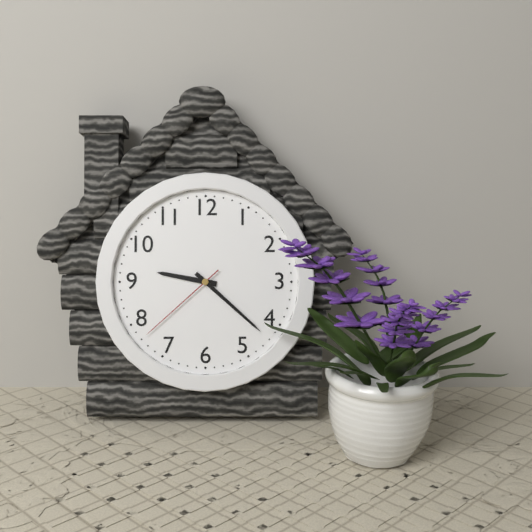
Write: 9:22:38
